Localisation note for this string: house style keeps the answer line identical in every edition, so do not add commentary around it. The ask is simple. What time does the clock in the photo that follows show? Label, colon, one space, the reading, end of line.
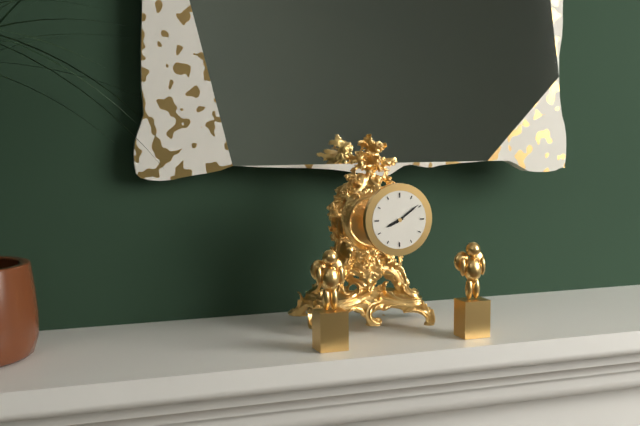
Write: 8:09
